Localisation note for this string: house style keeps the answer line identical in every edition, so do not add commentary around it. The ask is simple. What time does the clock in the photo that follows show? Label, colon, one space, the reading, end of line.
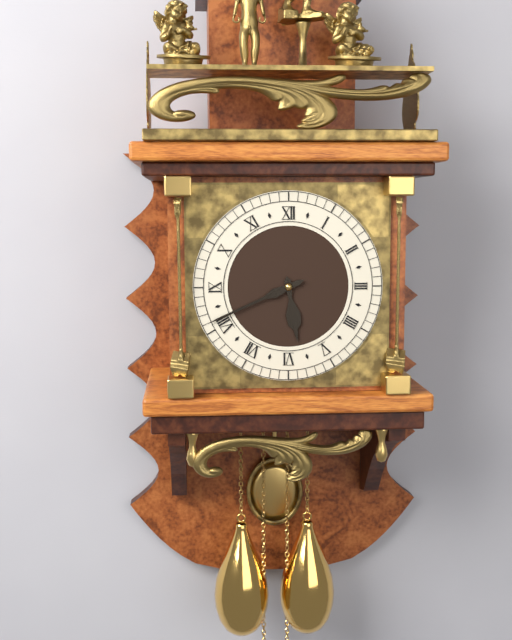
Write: 5:41
